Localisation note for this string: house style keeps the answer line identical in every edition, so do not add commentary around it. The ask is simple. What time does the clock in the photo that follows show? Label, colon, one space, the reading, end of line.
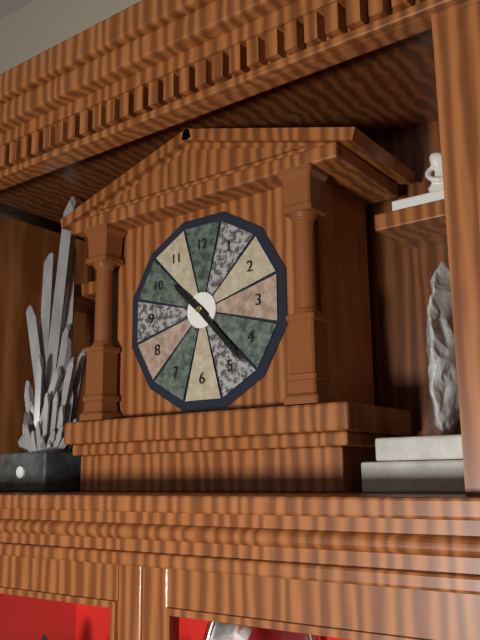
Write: 10:23
